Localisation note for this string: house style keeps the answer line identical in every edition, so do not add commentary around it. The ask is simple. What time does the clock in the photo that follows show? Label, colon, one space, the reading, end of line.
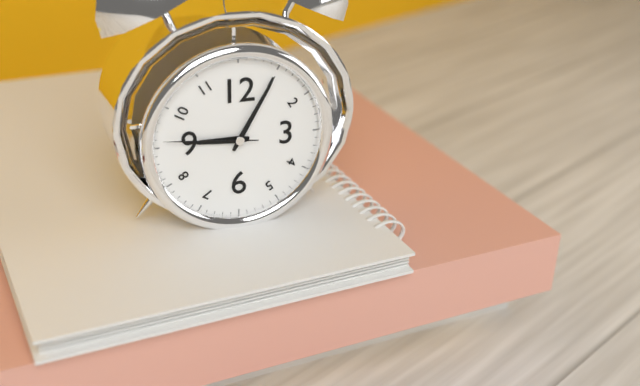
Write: 9:05:46
